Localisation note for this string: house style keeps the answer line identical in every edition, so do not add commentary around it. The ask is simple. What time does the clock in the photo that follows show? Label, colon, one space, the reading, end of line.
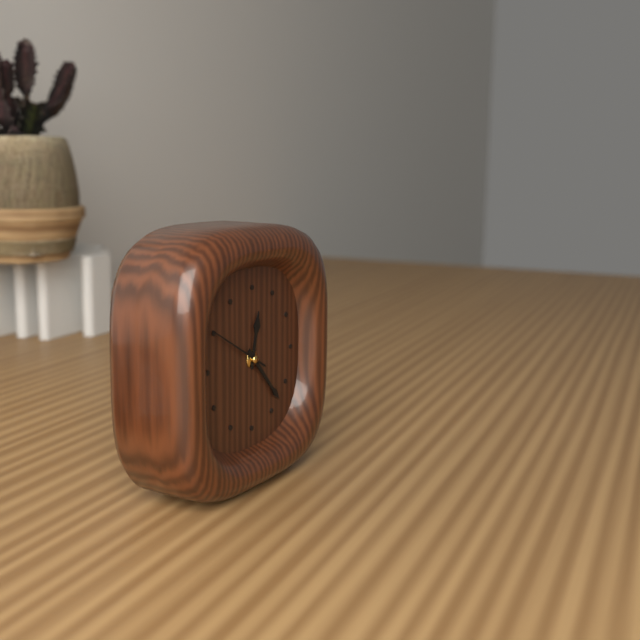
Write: 12:23:50
